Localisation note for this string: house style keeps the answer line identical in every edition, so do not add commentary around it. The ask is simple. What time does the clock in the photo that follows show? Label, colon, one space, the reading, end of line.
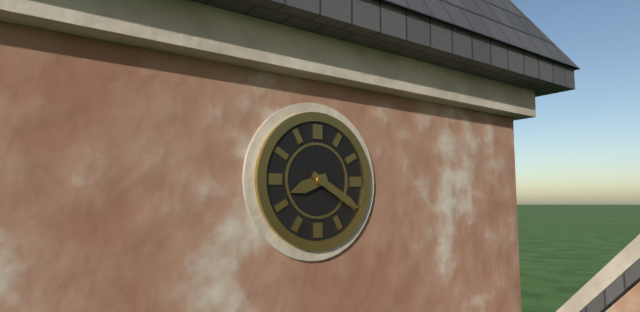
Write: 8:20
